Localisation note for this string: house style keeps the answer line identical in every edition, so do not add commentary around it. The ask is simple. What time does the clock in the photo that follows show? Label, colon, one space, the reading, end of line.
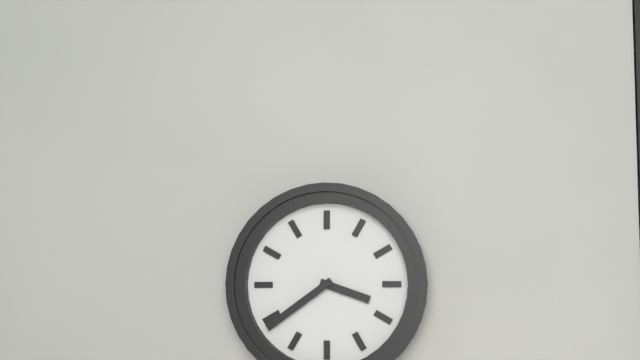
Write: 3:39
